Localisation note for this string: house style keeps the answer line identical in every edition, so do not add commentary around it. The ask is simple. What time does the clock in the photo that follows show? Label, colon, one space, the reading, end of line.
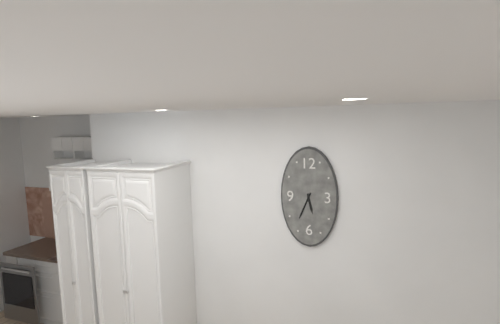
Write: 5:34
